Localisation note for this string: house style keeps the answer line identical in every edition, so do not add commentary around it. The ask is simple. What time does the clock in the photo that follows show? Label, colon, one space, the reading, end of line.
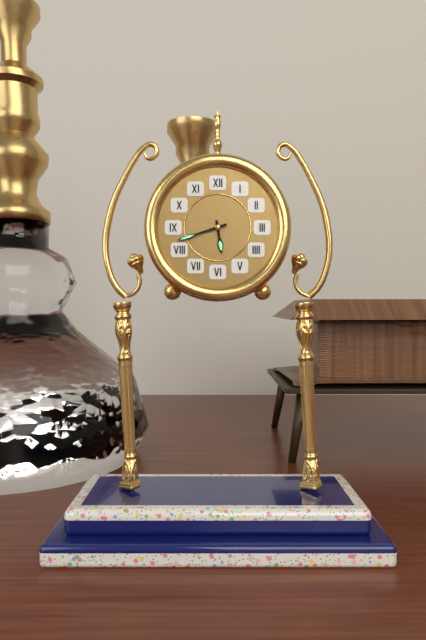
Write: 5:42
